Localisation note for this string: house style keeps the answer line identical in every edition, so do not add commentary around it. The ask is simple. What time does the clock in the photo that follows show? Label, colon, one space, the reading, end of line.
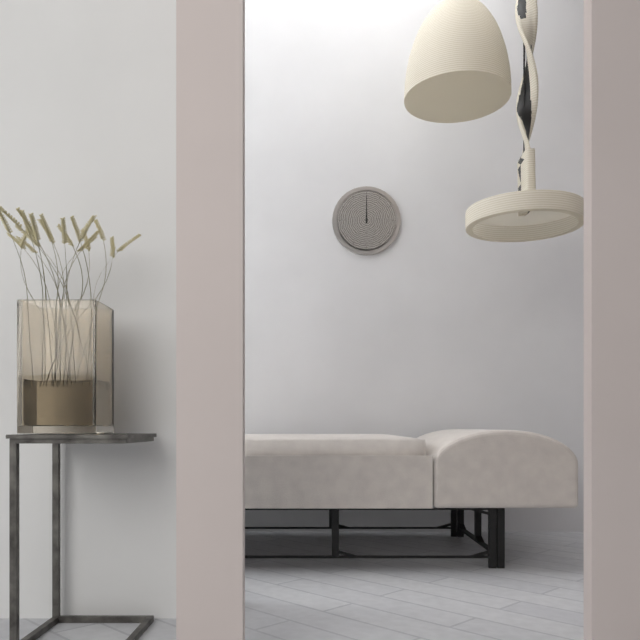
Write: 12:00
